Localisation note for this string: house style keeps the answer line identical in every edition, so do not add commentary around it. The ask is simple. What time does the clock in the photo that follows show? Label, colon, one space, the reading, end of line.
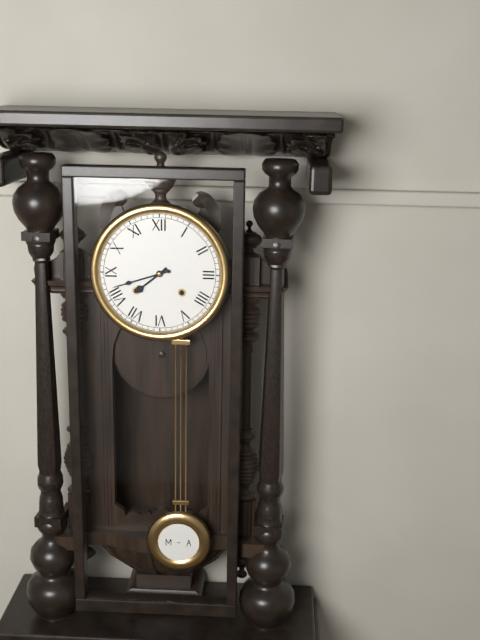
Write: 7:42
